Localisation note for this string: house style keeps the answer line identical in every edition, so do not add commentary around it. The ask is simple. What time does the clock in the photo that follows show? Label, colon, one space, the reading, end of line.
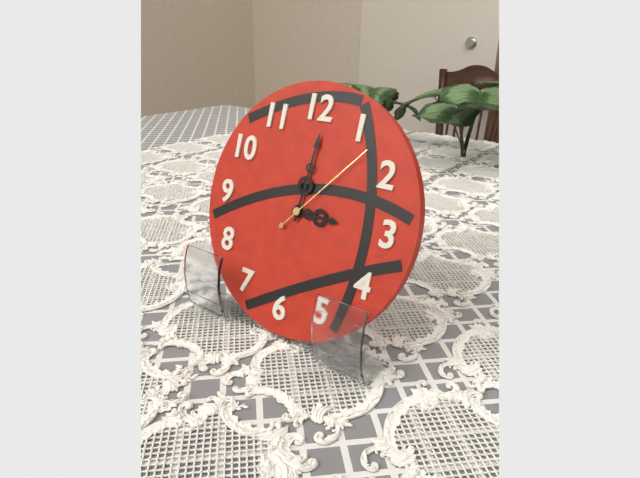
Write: 3:01:07
